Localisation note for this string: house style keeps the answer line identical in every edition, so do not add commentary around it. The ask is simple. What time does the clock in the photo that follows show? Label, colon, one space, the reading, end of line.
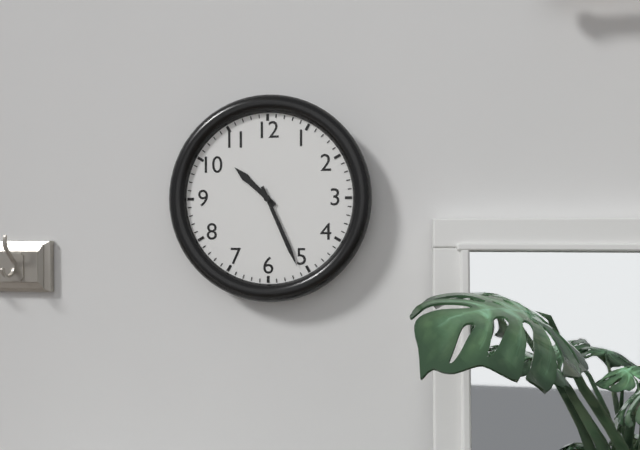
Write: 10:26
